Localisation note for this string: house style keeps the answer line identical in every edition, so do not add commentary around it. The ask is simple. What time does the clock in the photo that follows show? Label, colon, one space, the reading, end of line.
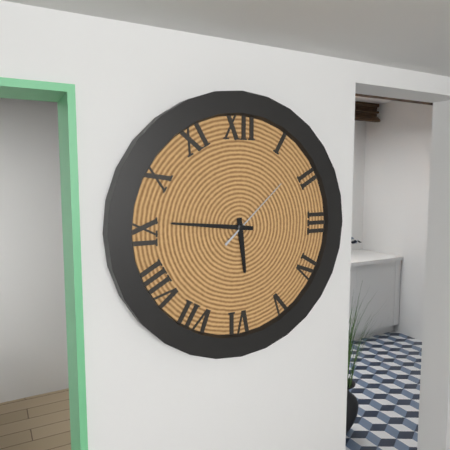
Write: 5:46:08
